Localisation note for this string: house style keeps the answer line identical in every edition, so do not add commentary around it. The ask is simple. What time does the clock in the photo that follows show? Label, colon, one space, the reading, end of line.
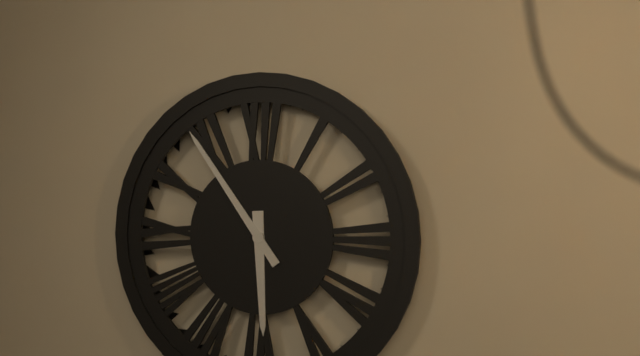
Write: 5:54
